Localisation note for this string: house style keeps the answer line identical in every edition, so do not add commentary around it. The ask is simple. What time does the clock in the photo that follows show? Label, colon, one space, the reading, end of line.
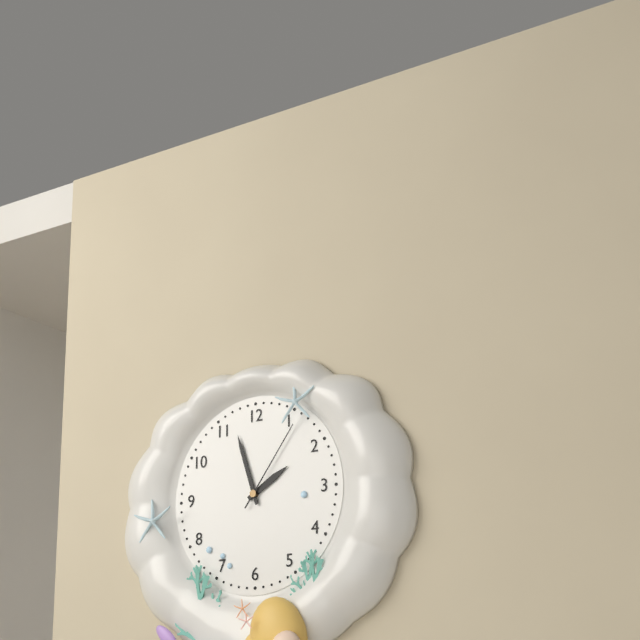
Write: 1:57:06
